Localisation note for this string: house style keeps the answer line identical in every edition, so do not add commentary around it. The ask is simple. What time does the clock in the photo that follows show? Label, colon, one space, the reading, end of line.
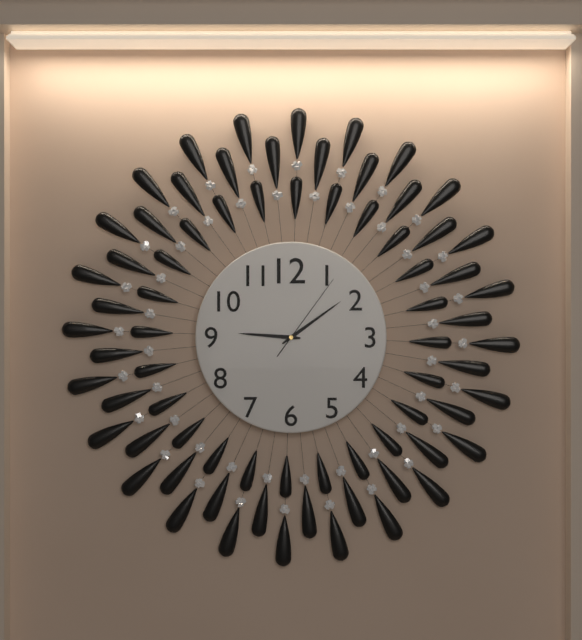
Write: 9:09:06
